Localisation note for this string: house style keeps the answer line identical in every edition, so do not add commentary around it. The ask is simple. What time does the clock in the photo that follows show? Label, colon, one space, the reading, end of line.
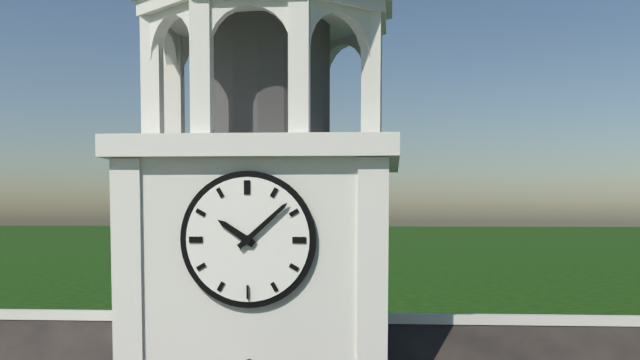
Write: 10:08
